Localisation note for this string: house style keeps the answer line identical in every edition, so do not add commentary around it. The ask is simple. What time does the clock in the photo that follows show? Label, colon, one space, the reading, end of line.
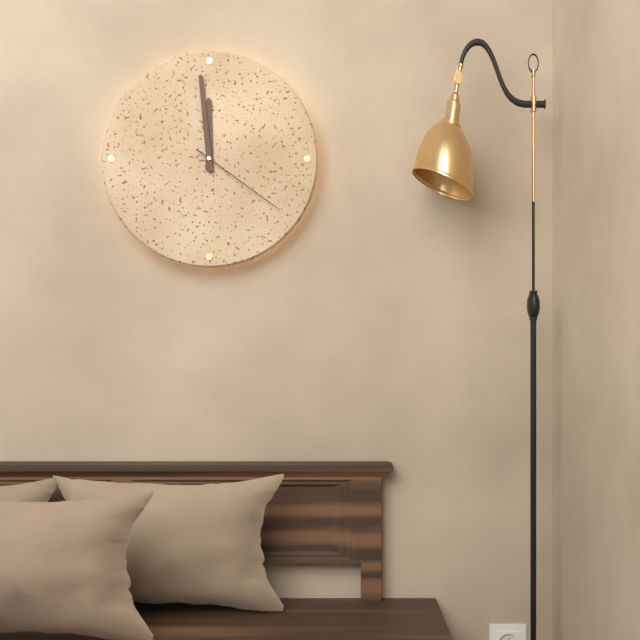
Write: 11:59:21
